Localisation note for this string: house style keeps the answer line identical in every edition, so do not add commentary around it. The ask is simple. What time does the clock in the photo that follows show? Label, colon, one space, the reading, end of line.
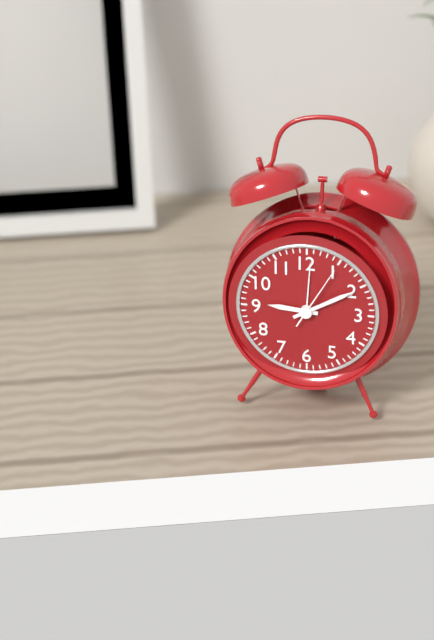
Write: 9:10:05
